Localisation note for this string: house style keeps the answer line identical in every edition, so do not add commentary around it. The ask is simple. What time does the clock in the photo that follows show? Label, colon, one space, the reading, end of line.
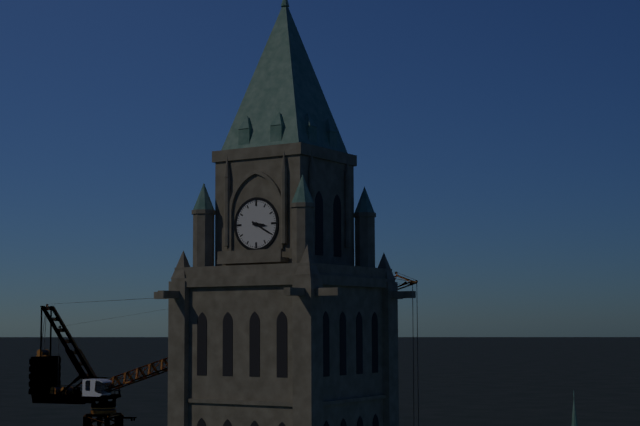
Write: 3:20
